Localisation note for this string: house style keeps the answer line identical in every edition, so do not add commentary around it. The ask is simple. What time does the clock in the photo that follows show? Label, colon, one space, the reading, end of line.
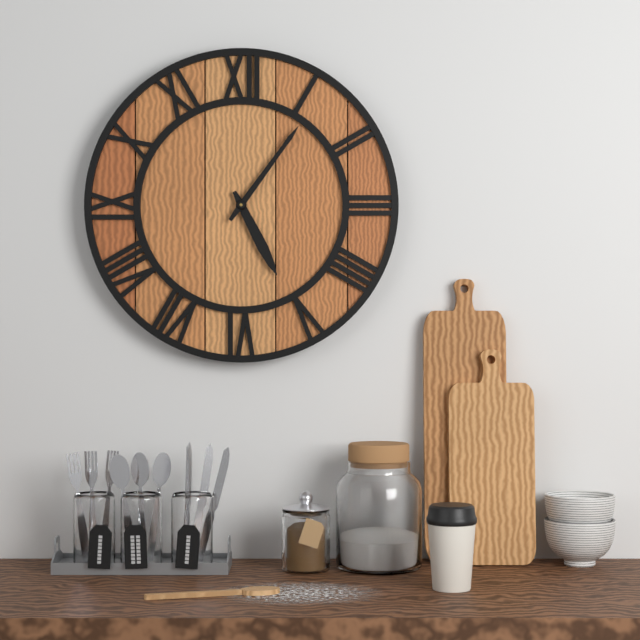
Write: 5:06
